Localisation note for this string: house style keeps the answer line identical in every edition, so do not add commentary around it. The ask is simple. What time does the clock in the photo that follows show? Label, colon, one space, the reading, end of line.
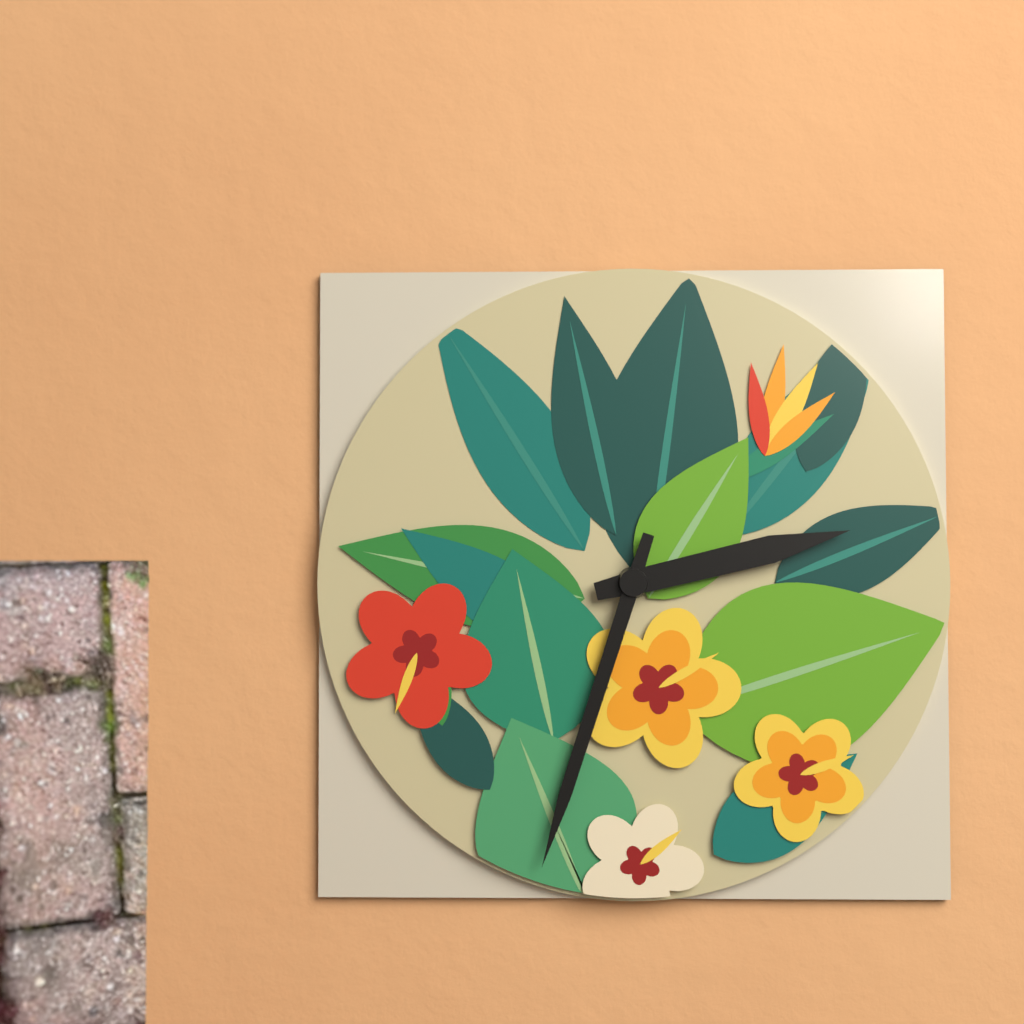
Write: 2:33
